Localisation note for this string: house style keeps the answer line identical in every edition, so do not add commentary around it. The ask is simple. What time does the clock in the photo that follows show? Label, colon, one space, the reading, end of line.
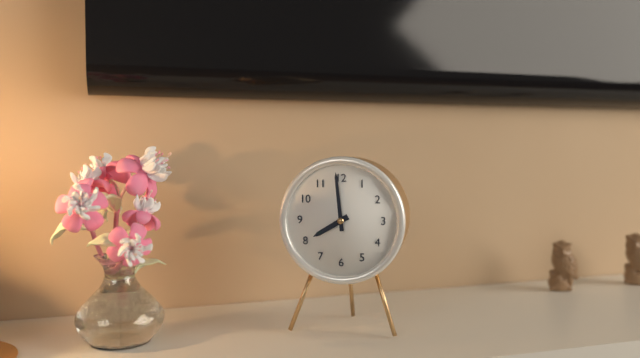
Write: 7:59
